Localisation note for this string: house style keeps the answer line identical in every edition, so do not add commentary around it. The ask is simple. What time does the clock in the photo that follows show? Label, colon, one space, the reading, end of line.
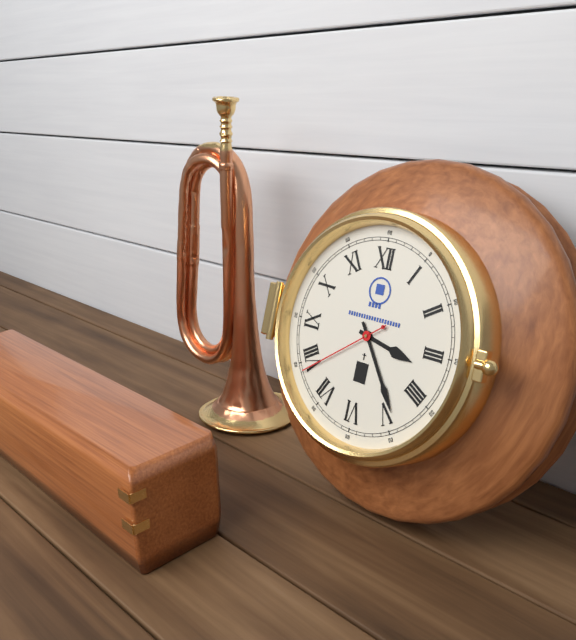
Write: 3:24:39
